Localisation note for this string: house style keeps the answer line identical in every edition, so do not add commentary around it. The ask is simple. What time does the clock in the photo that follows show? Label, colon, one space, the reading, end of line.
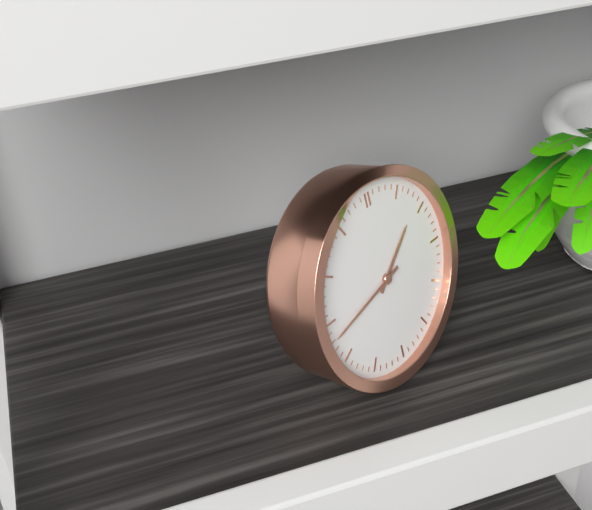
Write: 1:43
